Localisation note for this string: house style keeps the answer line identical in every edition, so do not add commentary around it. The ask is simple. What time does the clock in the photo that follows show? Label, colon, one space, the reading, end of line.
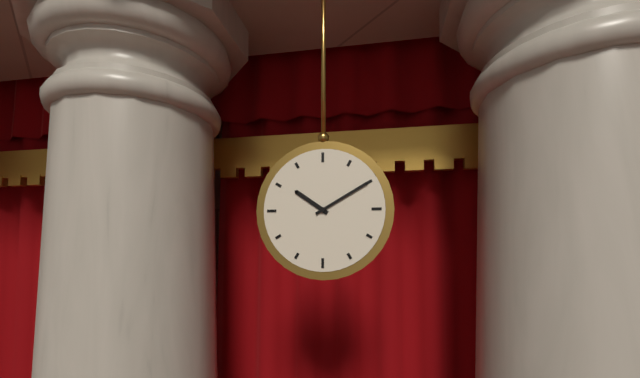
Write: 10:10
